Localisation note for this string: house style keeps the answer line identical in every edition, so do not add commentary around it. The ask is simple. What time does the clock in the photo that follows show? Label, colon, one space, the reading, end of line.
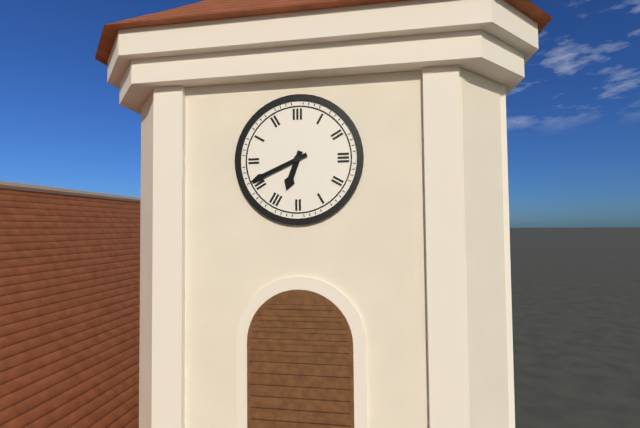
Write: 6:41
